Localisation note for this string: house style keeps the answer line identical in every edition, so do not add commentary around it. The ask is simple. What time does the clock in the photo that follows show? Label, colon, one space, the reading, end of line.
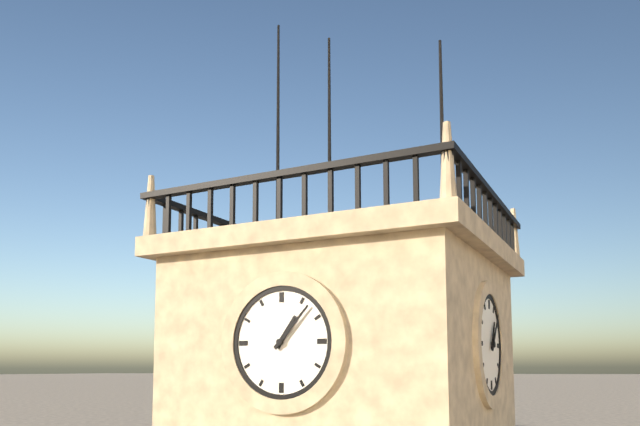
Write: 1:07
